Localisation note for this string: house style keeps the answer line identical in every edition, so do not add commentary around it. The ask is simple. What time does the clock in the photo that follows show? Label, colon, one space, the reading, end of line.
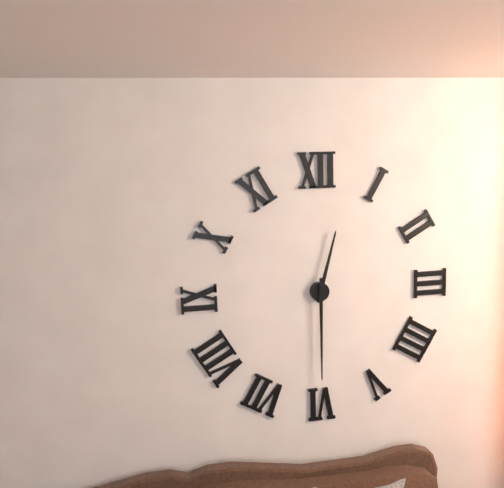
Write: 12:30
